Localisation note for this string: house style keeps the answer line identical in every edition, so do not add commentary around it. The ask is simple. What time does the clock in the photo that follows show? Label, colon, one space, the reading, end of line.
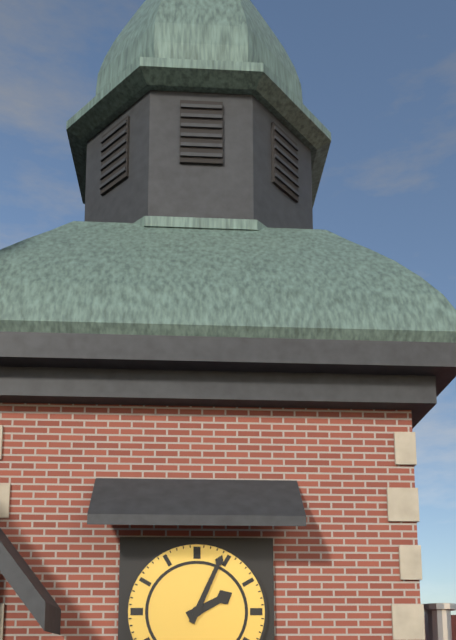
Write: 2:04
